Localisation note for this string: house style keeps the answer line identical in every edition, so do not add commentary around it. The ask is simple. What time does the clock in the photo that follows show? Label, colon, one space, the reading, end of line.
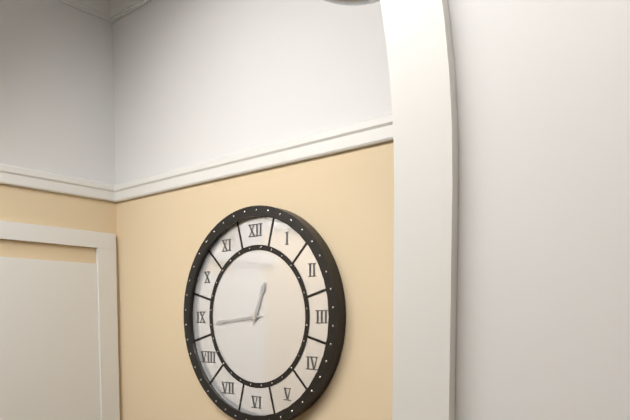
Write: 12:44
